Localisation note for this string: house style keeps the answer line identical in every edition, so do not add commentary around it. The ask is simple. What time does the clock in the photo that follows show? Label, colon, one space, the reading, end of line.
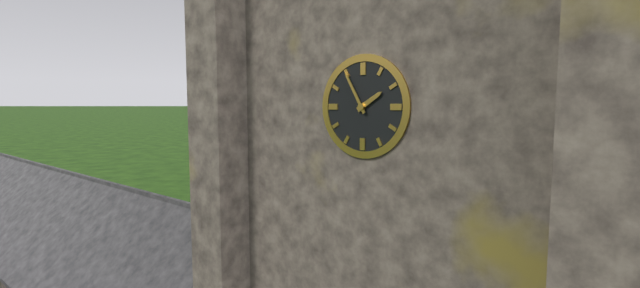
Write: 1:55
